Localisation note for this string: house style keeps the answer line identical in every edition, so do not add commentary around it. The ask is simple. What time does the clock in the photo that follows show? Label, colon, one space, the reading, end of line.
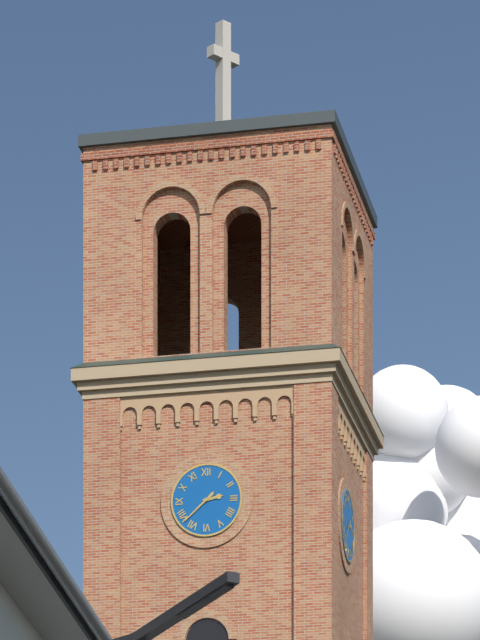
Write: 2:38
